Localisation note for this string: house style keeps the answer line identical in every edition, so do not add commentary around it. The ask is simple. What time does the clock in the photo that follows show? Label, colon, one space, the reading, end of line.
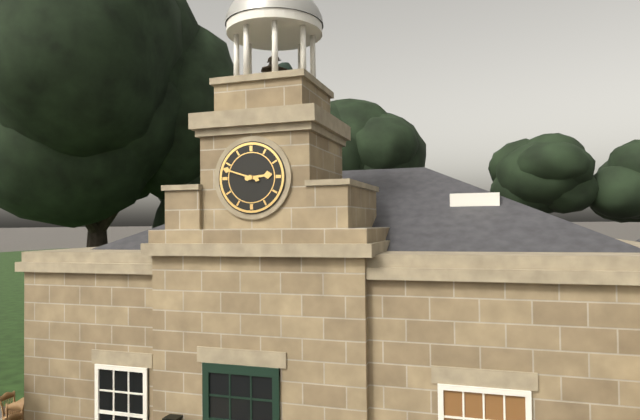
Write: 2:48
